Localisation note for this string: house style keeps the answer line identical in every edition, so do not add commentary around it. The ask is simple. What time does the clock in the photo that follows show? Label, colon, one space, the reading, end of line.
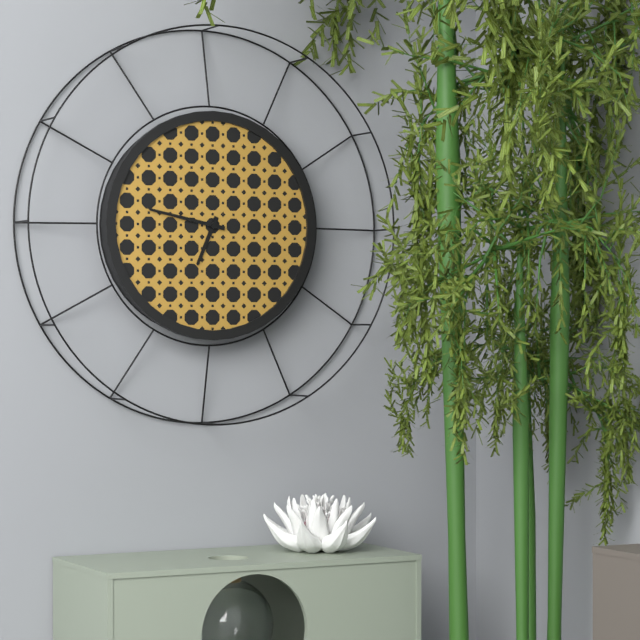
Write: 6:47
